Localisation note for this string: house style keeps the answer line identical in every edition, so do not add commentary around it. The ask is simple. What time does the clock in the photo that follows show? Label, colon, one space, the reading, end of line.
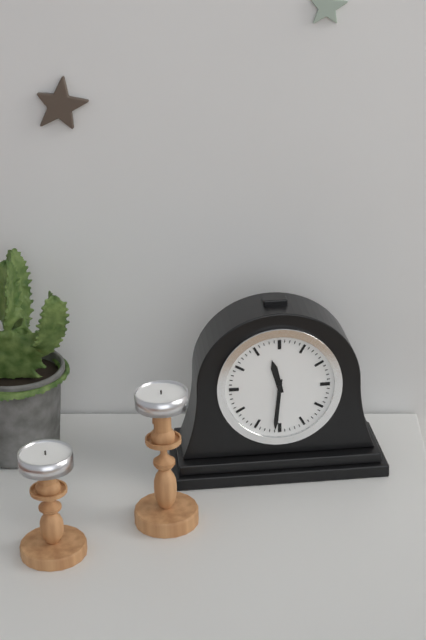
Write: 11:31
